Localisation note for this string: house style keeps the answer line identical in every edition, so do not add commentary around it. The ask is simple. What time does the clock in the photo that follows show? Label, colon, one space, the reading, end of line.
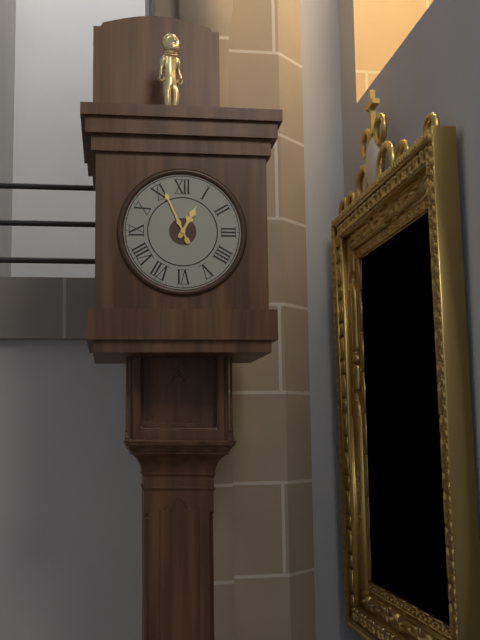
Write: 12:56
